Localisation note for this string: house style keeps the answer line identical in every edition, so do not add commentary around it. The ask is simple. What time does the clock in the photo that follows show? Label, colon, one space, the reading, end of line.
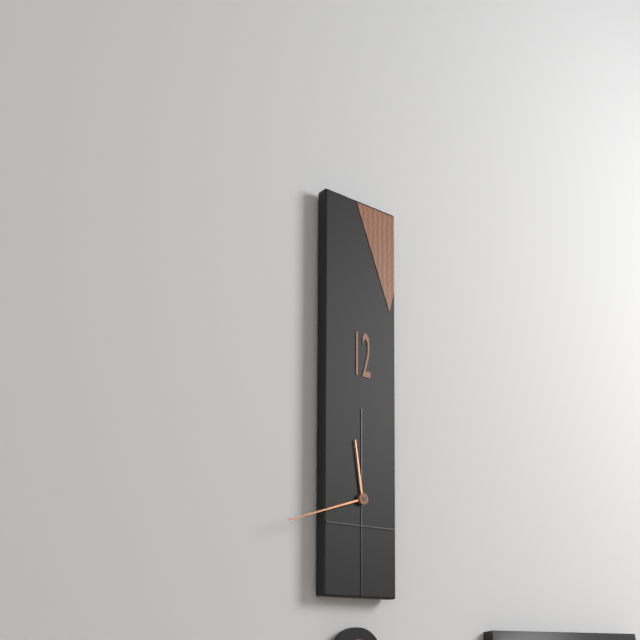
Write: 11:42
